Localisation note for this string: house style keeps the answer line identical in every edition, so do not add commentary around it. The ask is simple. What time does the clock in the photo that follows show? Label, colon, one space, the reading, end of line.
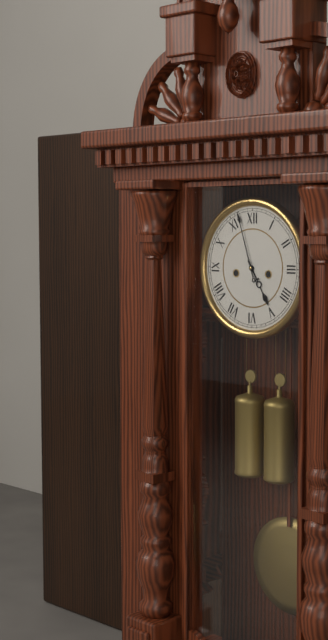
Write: 4:57
